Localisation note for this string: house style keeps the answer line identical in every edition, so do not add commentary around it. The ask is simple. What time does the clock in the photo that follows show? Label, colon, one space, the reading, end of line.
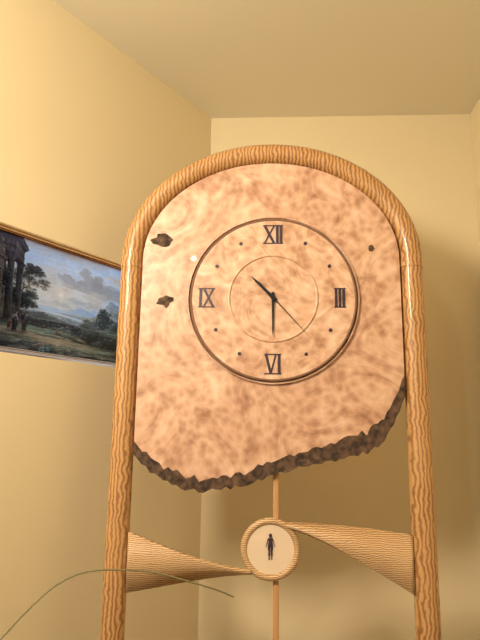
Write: 10:30:23
